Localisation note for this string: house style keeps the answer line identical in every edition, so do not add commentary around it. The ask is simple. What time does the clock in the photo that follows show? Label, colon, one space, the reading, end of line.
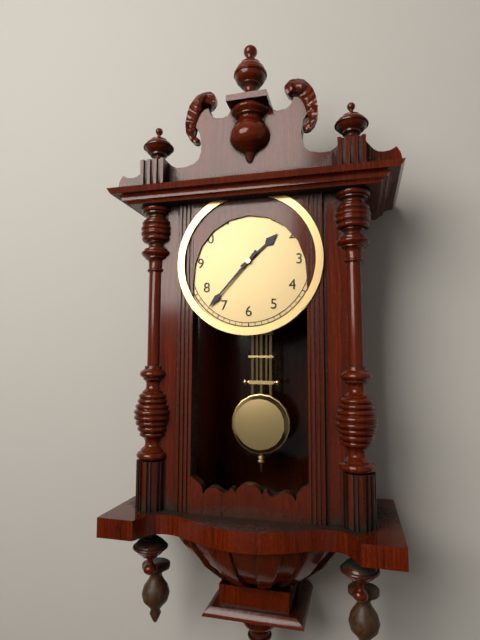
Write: 1:37
